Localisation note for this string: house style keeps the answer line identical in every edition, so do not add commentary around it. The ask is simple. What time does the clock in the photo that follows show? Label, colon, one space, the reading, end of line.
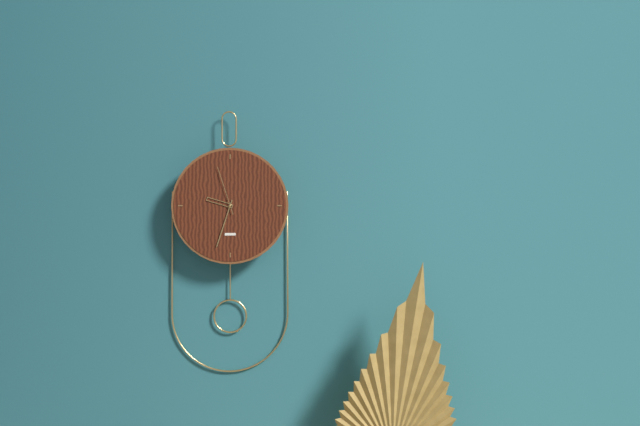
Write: 9:33:57
